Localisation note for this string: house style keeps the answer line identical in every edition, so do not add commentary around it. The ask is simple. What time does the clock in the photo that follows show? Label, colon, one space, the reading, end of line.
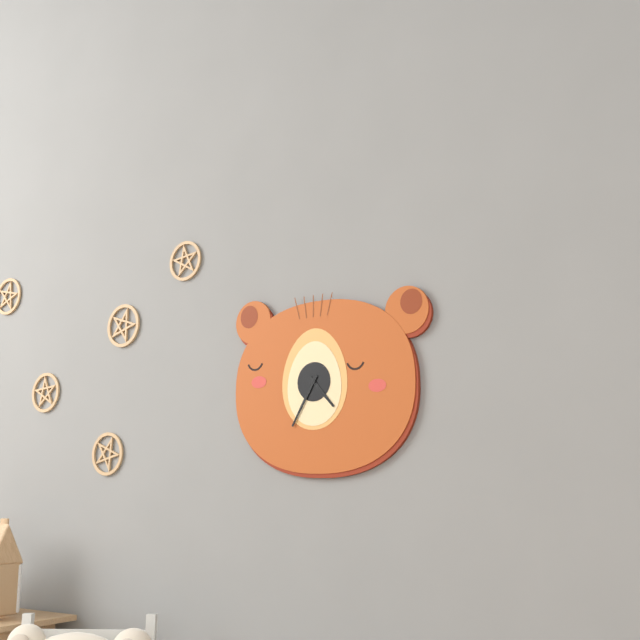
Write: 4:35
